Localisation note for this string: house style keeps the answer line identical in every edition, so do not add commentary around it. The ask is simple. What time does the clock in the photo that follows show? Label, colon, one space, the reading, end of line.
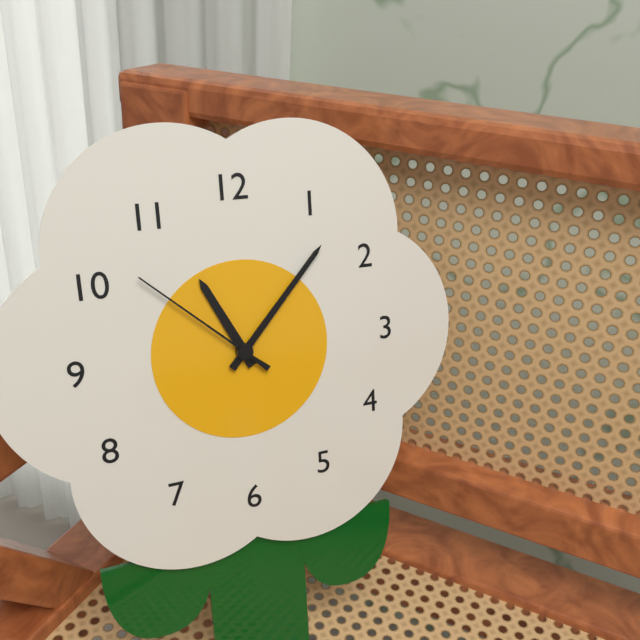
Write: 11:07:52
